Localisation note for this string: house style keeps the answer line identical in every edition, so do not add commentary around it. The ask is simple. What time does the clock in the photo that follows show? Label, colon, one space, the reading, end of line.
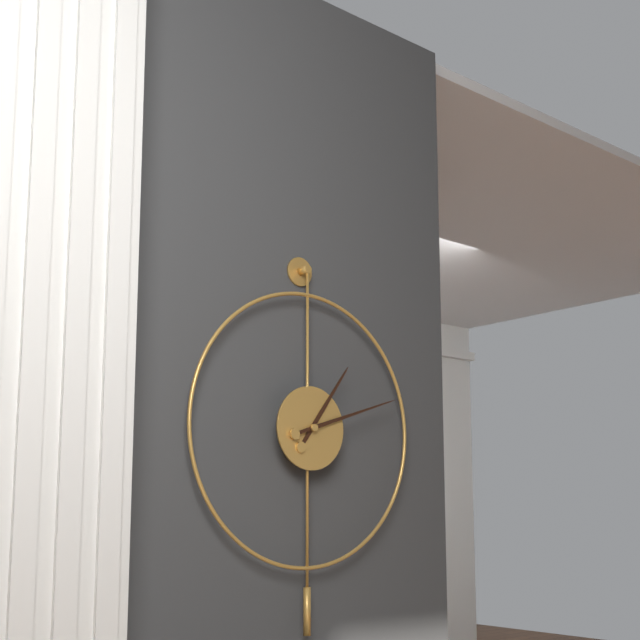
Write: 1:12
